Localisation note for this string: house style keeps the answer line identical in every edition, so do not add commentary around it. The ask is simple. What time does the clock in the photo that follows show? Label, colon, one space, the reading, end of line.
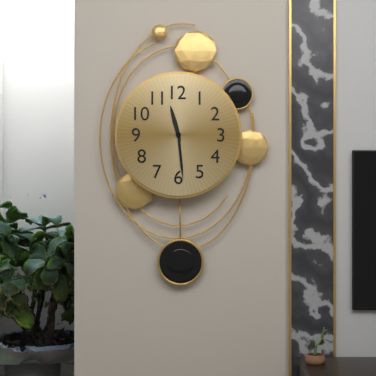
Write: 11:29
